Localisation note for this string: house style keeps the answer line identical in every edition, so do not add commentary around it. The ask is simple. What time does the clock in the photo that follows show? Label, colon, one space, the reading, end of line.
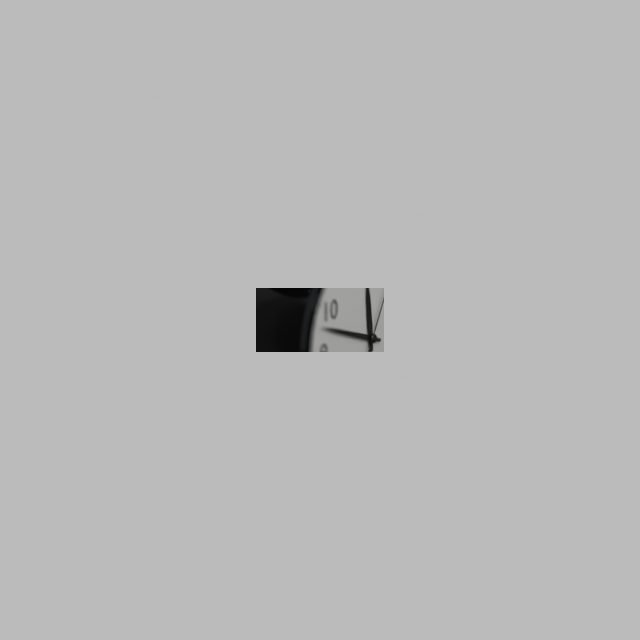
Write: 11:48:05
